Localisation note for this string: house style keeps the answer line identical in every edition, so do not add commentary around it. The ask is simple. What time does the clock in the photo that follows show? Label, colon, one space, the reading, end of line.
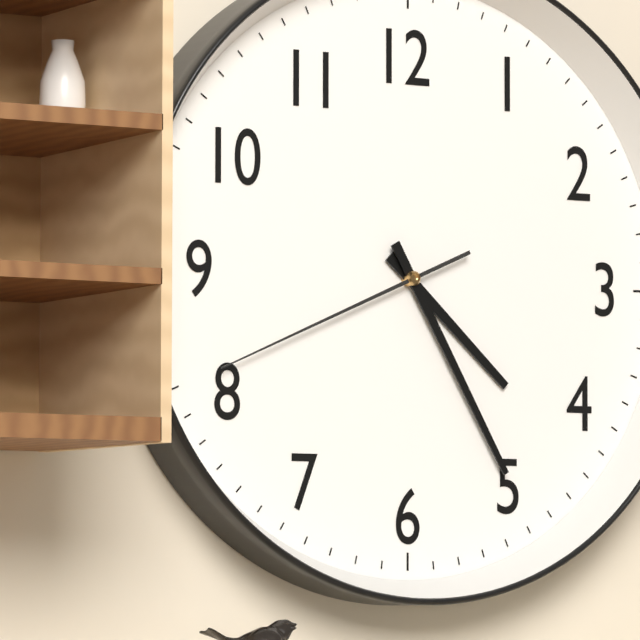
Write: 4:25:41
